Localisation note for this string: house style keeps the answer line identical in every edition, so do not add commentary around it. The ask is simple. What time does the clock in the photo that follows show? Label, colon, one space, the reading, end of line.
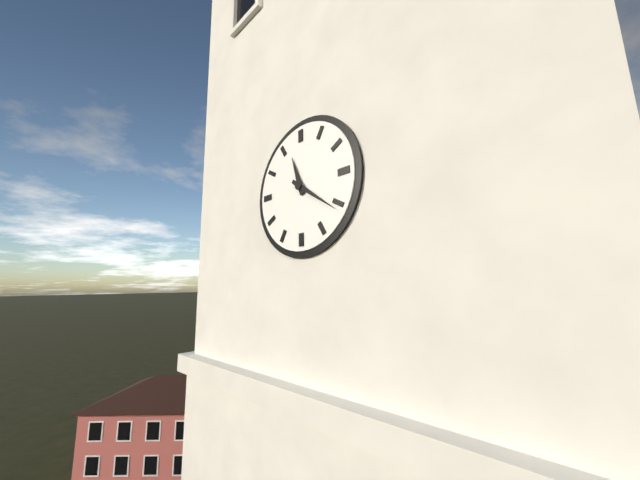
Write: 11:21
